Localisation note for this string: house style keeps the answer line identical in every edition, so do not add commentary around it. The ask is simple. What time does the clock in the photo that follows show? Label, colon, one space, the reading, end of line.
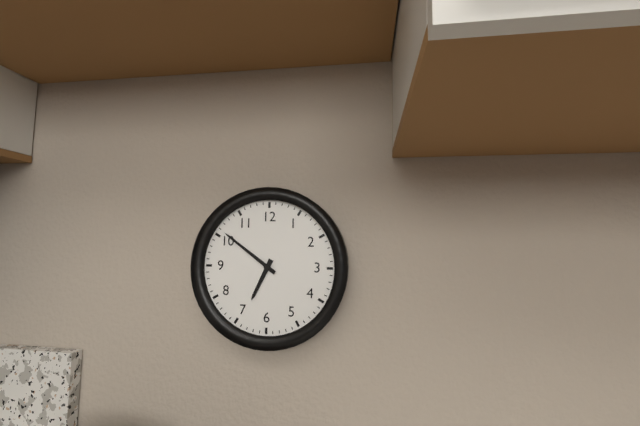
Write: 6:51
